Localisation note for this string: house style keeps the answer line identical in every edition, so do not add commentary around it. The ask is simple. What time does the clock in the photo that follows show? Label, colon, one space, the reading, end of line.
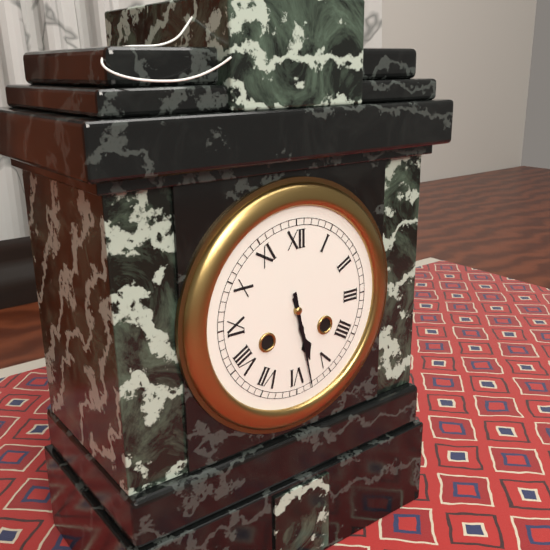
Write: 5:28
